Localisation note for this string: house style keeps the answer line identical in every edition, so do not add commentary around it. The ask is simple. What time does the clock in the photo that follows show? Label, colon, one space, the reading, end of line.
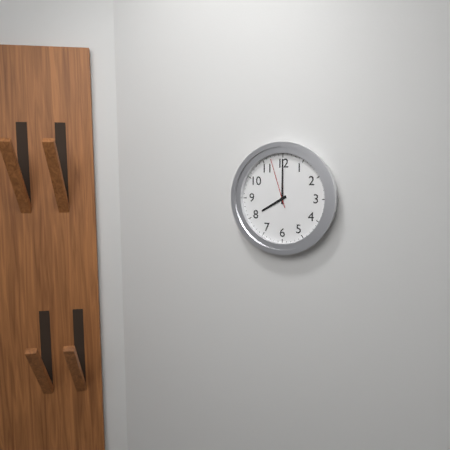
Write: 8:00:57
